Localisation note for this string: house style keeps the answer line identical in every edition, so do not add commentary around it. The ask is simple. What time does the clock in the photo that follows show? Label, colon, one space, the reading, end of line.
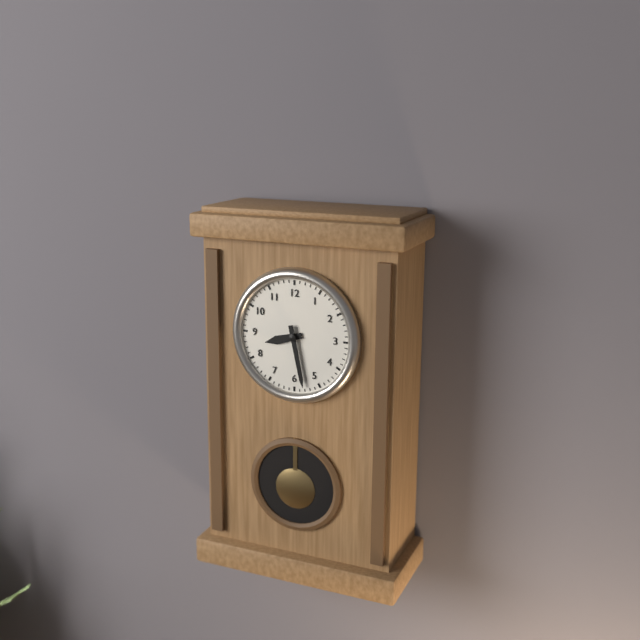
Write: 8:28
